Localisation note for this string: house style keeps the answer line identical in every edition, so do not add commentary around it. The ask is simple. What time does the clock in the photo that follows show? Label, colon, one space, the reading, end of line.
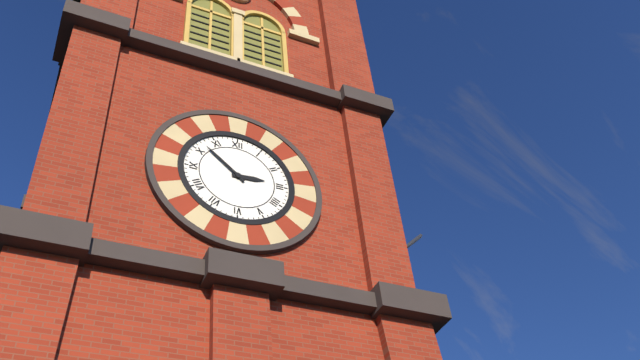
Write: 2:52
